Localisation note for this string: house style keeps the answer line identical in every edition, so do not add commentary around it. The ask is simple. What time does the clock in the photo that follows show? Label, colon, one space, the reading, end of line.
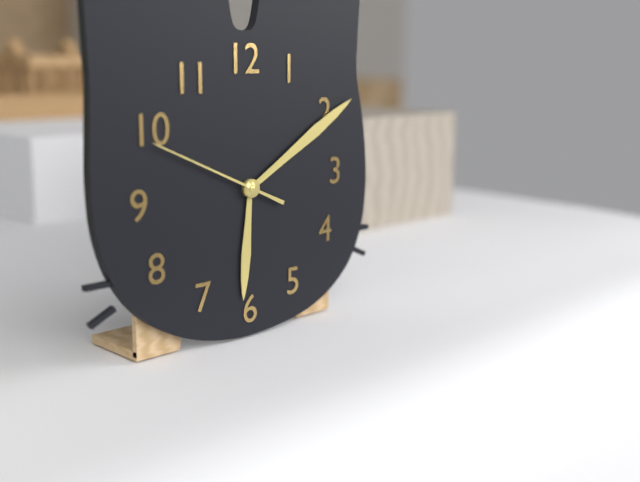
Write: 6:10:49
